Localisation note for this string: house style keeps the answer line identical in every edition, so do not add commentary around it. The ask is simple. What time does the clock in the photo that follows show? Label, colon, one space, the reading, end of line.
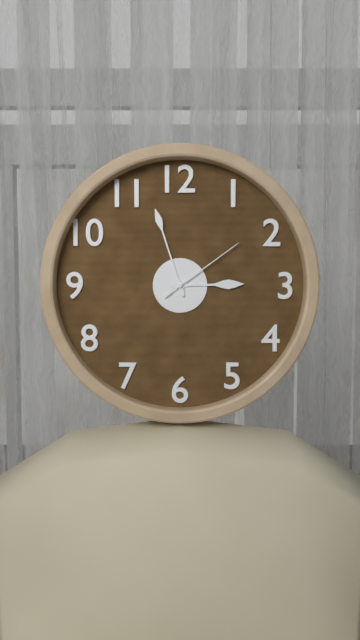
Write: 2:57:09
